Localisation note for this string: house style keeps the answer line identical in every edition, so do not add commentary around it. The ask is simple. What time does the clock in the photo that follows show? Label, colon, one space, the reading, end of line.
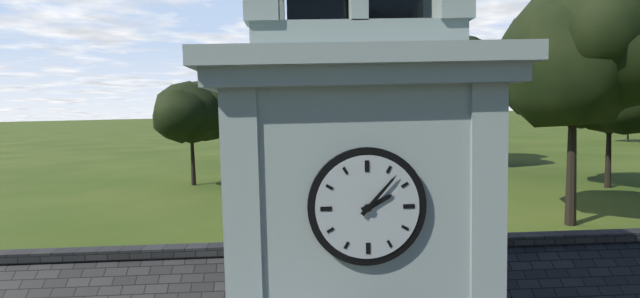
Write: 2:07
